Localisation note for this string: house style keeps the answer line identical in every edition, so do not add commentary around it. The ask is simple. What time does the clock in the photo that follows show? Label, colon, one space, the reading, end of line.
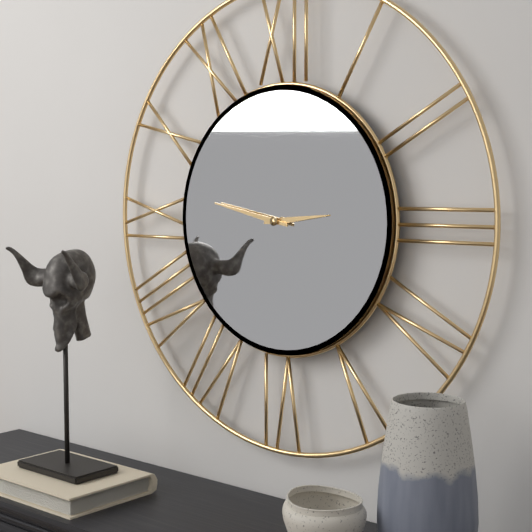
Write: 2:47
